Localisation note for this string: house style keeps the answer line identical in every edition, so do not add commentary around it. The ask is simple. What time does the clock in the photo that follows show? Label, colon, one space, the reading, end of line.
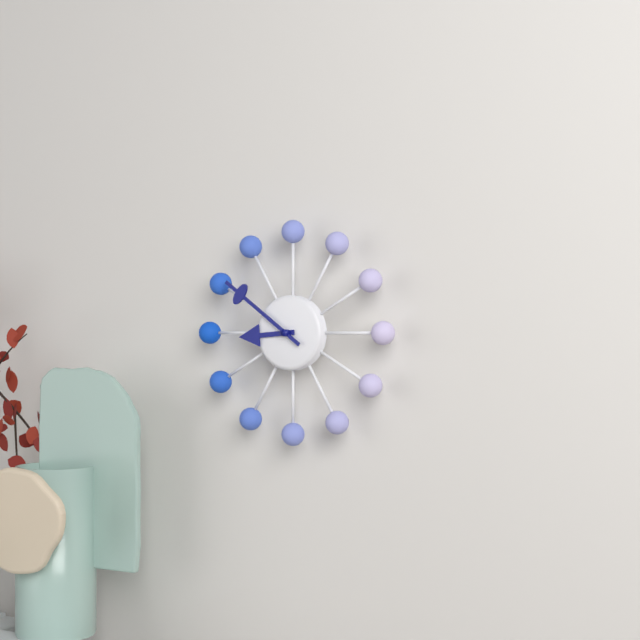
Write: 8:51
